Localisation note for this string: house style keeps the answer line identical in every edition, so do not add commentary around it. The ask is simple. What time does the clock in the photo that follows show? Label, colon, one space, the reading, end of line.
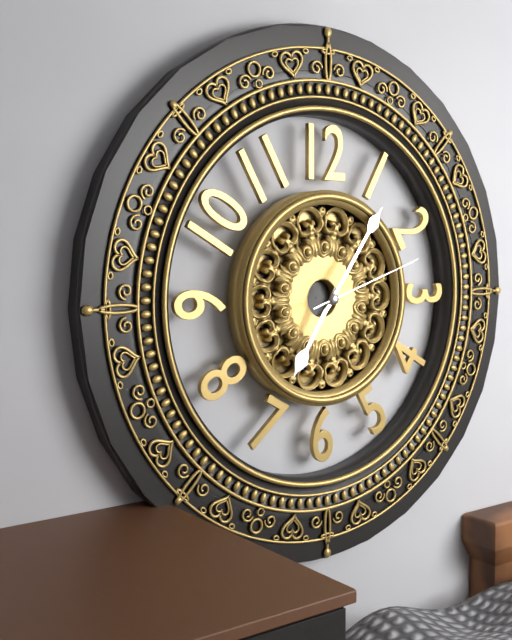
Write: 7:06:12
